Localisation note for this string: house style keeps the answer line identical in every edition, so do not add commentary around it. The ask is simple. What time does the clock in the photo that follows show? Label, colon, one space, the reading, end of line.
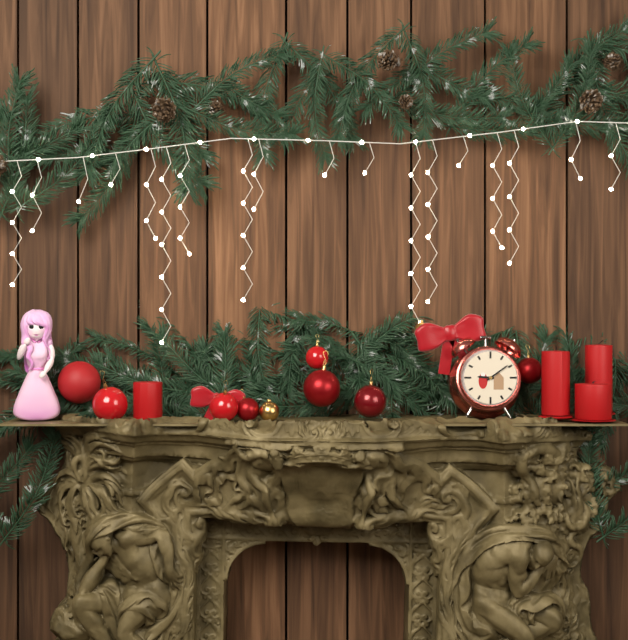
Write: 9:09
